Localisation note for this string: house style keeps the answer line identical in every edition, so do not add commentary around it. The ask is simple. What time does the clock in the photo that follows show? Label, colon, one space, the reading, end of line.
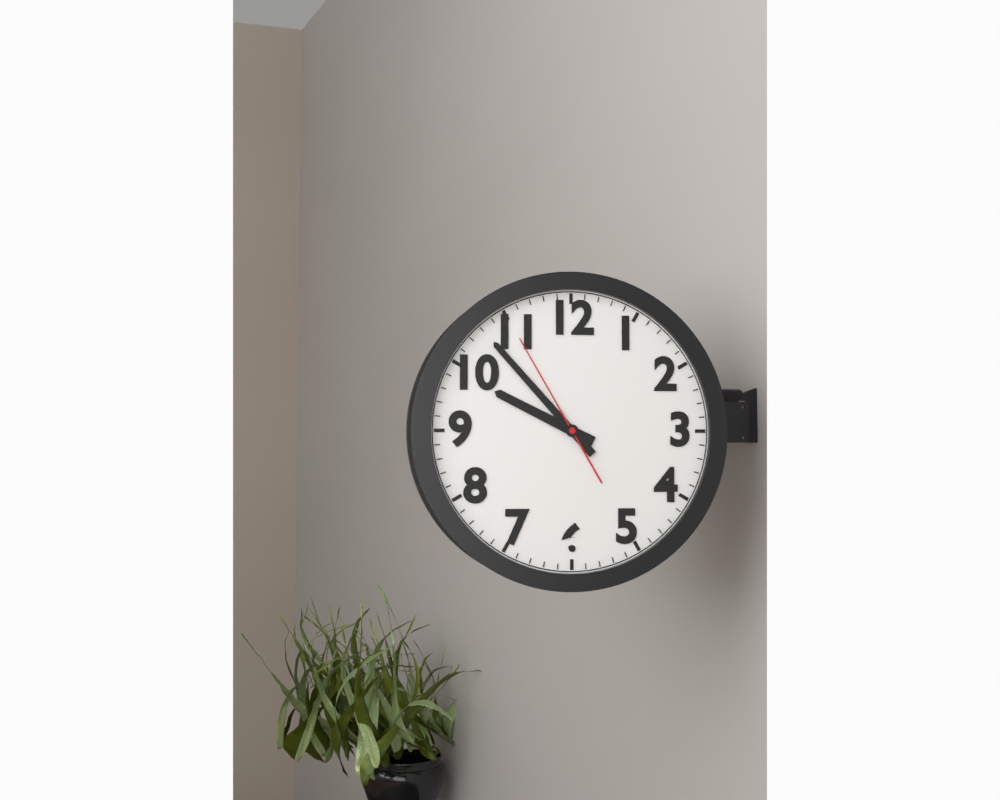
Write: 9:53:55
